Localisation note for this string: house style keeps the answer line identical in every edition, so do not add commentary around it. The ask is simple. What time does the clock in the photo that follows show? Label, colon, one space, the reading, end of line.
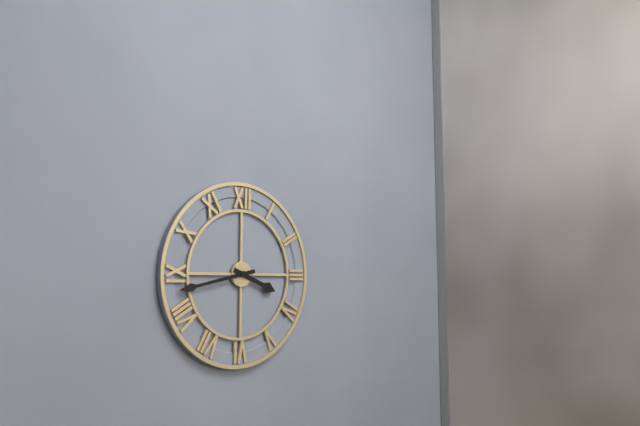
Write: 3:43
